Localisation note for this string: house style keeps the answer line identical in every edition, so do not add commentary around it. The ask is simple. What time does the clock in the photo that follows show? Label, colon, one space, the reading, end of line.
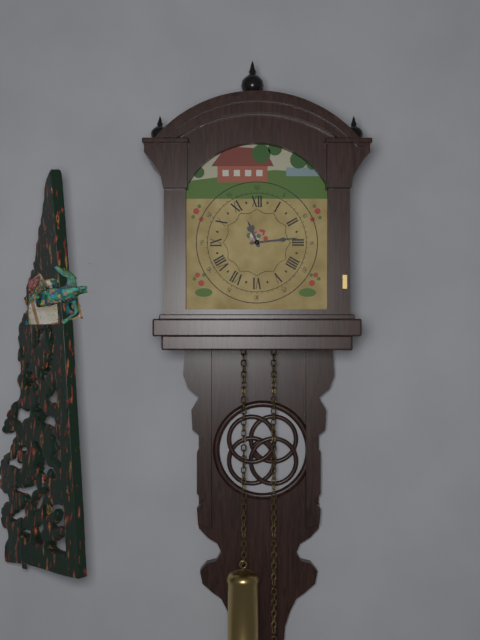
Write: 11:14
